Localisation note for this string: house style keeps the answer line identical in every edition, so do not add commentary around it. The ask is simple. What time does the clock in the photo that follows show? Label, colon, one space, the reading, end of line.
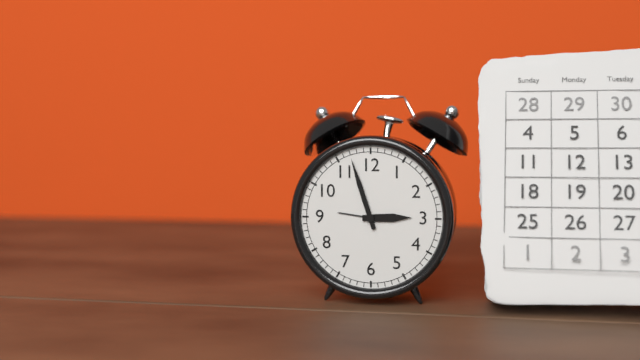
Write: 2:57
